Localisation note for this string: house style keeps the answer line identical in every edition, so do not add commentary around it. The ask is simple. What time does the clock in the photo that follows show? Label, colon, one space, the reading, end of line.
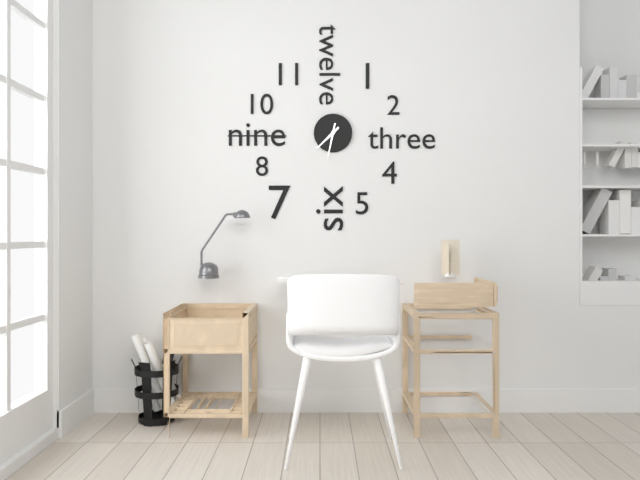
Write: 7:32
